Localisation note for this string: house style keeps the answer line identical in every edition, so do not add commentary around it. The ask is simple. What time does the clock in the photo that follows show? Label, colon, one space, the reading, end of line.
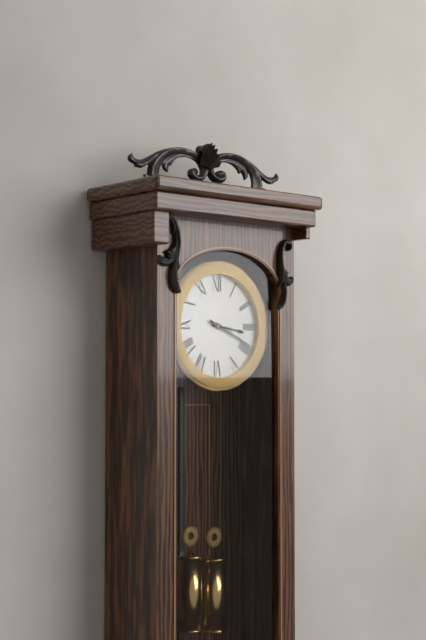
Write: 3:19
